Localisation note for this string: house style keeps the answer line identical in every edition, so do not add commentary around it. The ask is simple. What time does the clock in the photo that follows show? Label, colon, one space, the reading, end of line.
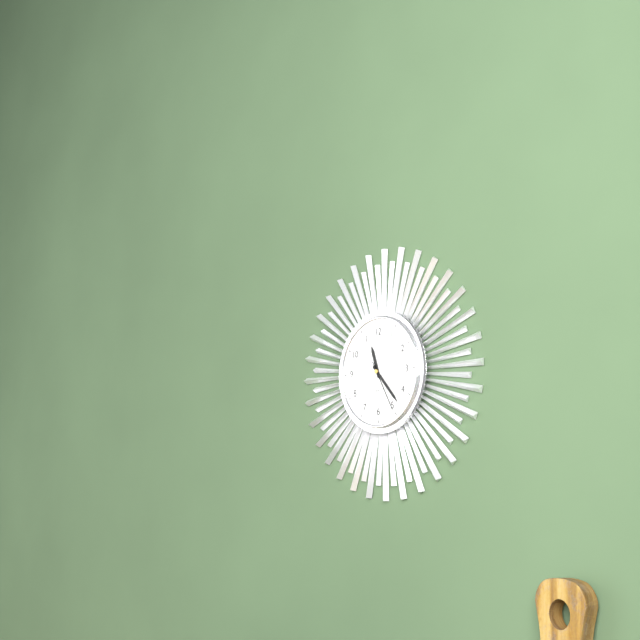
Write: 11:23:25
